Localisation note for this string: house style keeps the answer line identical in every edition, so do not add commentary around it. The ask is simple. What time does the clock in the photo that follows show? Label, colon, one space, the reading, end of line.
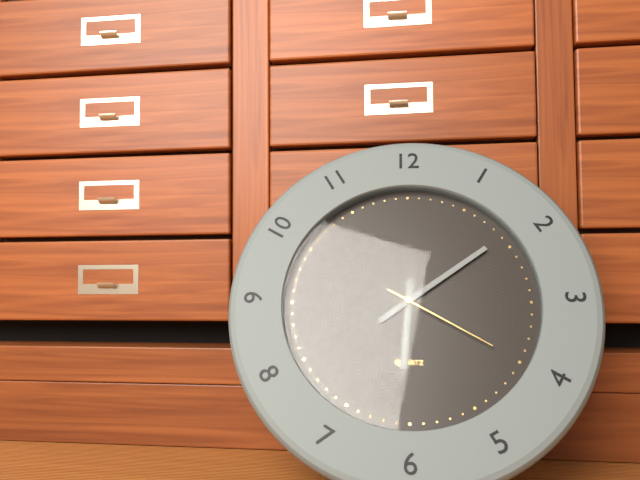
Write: 6:09:20
